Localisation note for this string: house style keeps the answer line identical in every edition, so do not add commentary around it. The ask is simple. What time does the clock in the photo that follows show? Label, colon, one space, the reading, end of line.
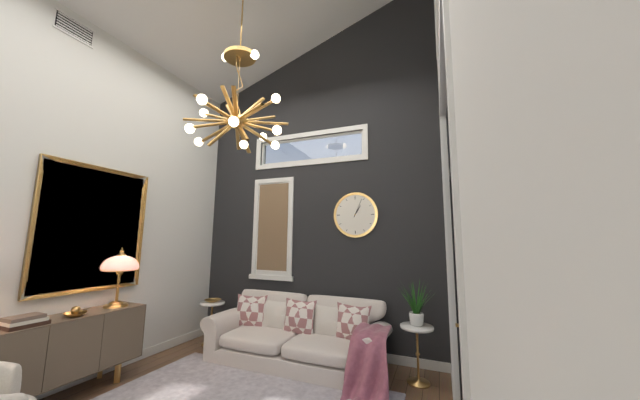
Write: 1:04
